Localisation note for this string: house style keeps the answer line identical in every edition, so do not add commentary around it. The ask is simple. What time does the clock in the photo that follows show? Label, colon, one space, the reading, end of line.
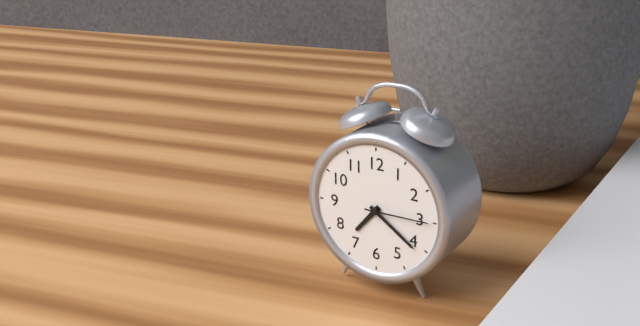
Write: 7:21:15
